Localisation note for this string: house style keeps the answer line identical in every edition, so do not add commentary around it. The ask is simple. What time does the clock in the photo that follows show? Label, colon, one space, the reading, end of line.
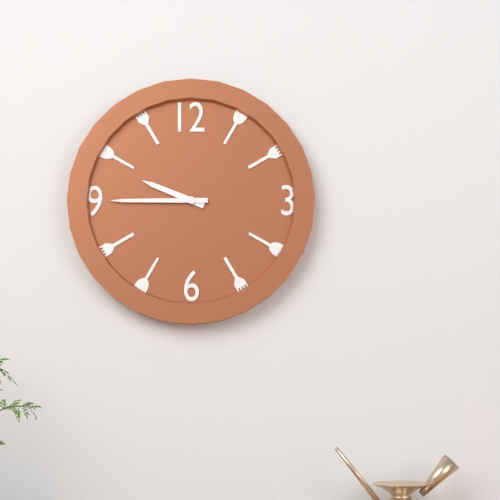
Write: 9:45
